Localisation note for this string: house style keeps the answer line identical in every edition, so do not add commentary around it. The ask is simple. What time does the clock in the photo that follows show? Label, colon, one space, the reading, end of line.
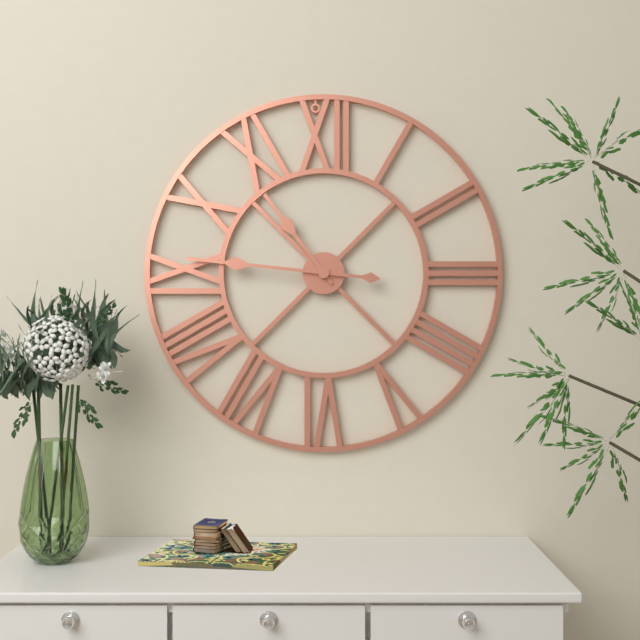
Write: 10:46
